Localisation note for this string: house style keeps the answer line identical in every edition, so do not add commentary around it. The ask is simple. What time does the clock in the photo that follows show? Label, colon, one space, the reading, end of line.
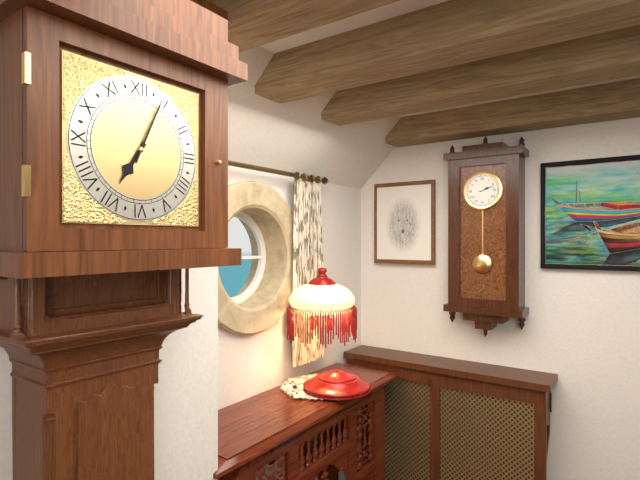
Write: 7:04
